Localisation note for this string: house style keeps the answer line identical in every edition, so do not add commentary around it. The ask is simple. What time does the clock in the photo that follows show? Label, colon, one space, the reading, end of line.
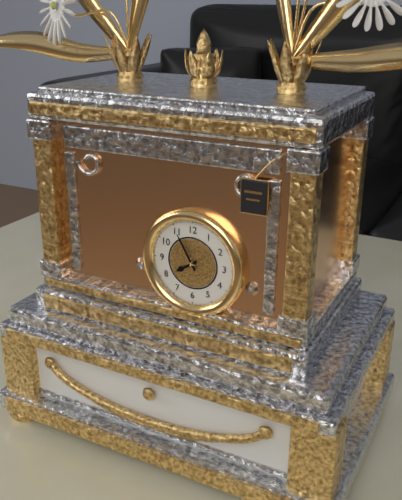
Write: 7:55
